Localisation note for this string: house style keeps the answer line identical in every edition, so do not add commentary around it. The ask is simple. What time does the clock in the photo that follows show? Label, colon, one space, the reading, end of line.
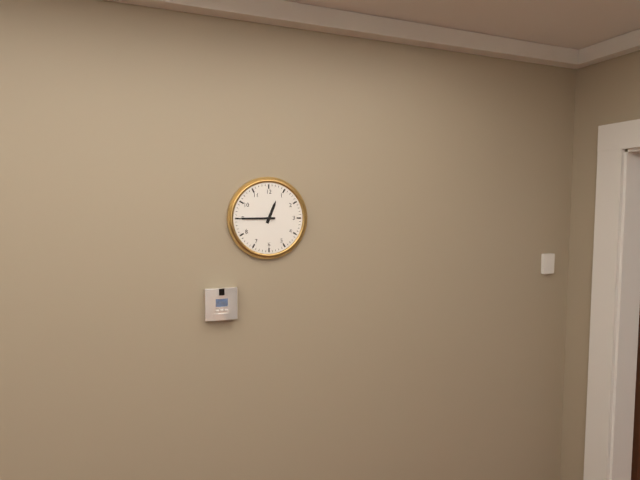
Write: 12:45
